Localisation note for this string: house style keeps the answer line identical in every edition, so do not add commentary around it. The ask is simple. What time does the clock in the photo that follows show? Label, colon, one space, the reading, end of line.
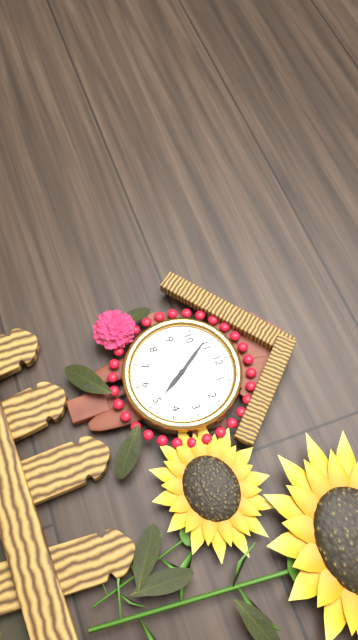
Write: 4:54
